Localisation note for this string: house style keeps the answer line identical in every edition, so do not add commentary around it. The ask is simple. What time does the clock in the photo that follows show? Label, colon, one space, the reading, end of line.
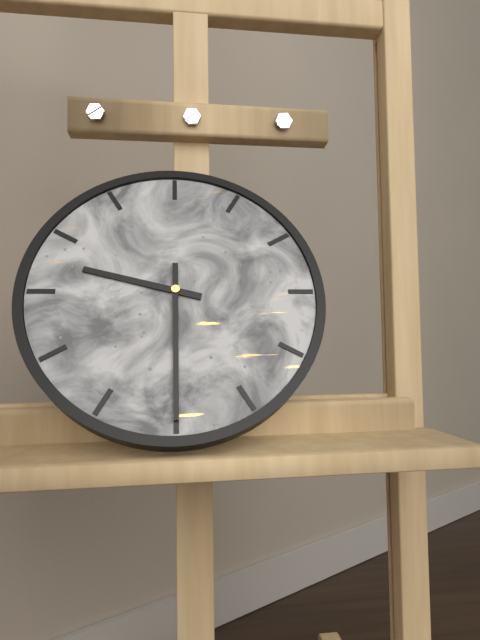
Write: 9:30
